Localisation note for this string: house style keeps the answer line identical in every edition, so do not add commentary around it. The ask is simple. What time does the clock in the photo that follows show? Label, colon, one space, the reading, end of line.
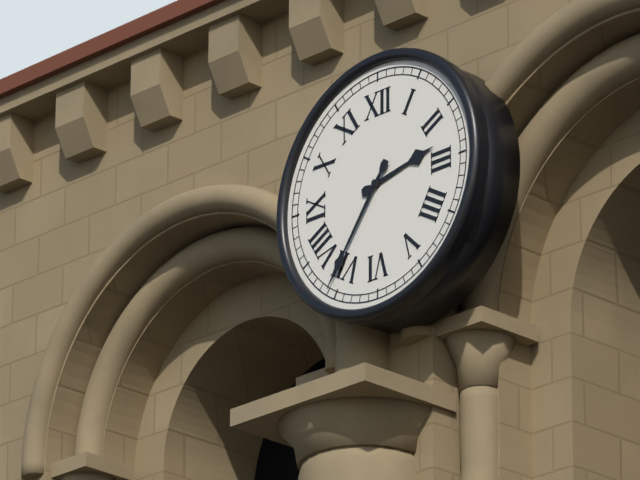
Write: 2:36
